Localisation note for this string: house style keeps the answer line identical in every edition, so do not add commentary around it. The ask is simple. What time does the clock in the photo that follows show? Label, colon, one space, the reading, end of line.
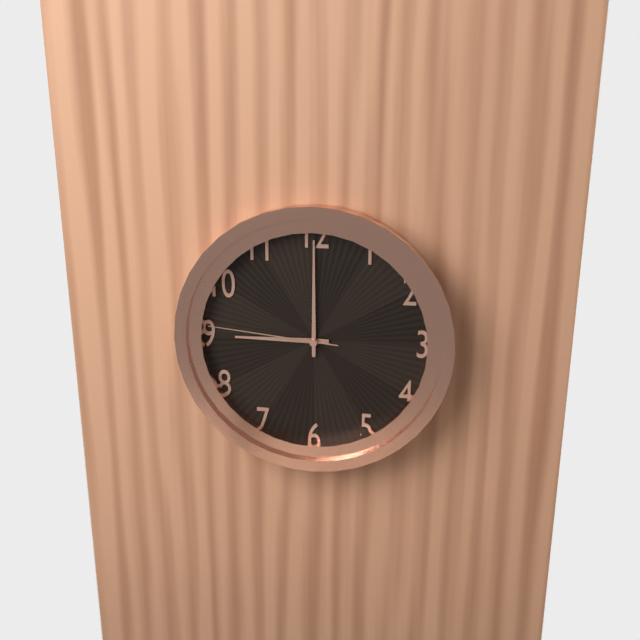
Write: 9:00:46
